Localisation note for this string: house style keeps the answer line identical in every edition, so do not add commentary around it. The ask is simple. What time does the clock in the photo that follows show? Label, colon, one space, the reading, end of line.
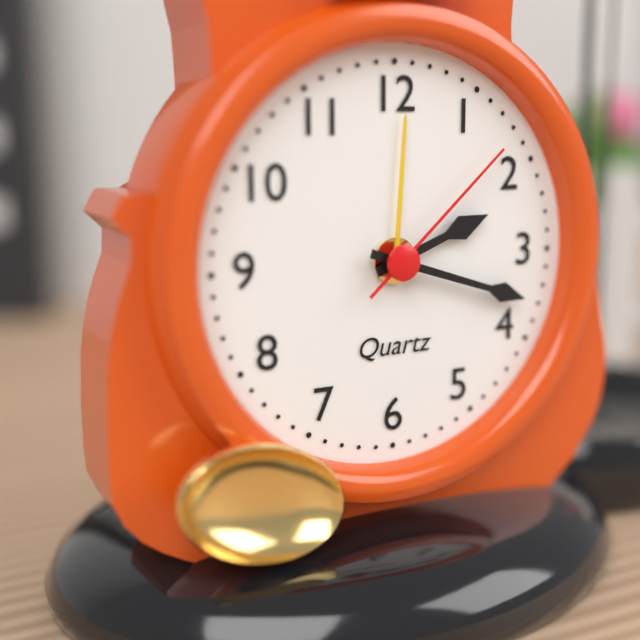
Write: 2:18:08
